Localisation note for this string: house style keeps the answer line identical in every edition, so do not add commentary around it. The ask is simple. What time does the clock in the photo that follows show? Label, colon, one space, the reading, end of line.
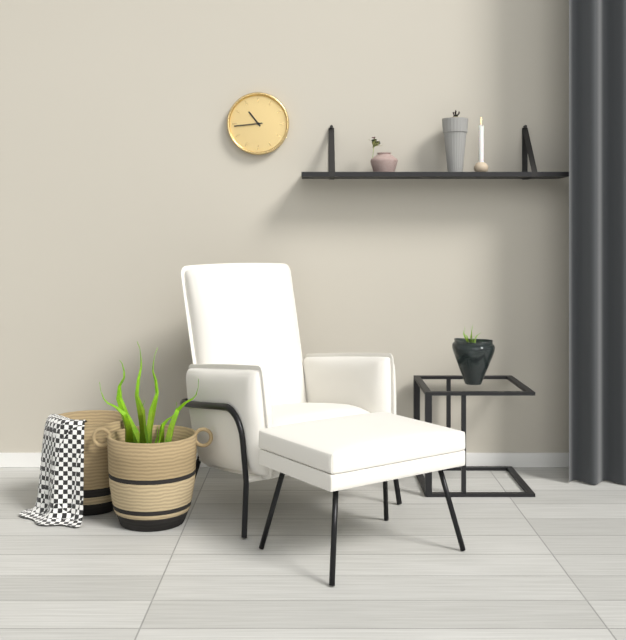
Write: 10:44
